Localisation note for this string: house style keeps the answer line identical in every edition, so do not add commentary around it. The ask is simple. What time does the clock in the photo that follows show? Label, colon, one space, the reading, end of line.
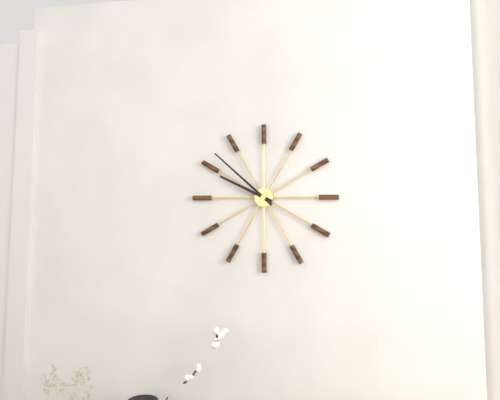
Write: 9:52
